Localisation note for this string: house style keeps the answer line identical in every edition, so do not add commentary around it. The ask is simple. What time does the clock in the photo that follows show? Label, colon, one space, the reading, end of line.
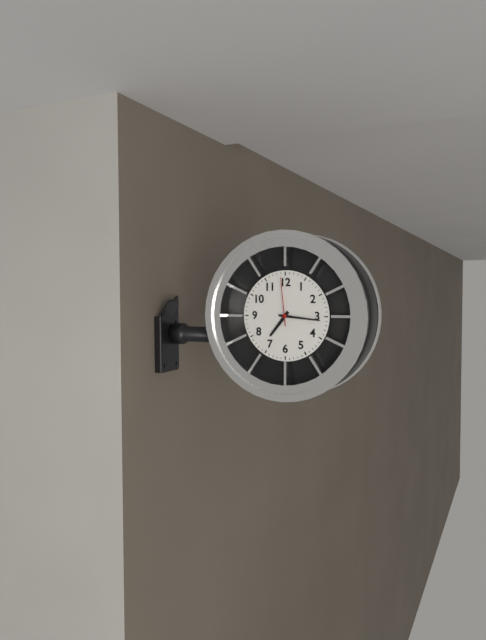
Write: 7:16
